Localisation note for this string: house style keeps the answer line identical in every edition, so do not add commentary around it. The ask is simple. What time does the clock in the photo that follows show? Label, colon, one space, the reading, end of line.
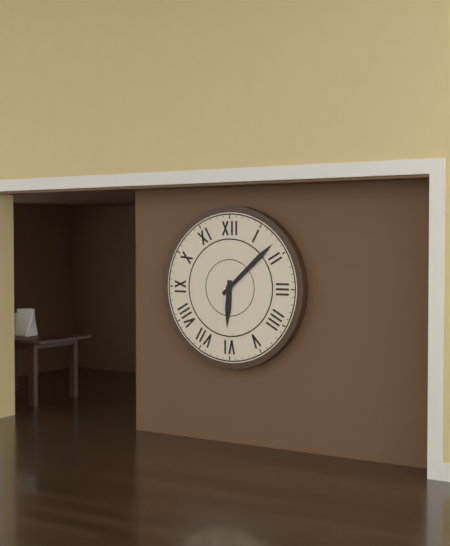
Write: 6:08
